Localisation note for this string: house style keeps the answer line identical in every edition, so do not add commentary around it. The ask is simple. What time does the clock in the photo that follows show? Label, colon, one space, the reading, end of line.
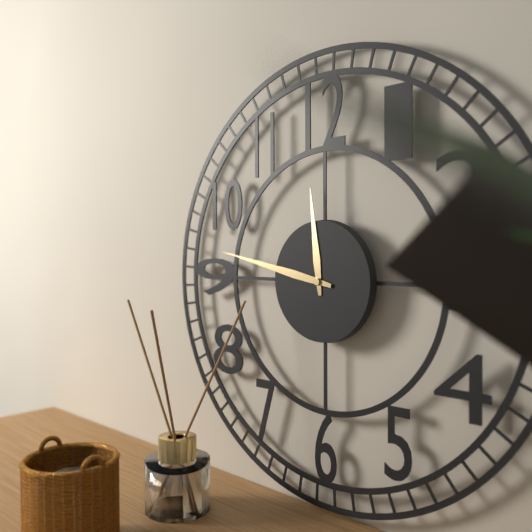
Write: 11:47
